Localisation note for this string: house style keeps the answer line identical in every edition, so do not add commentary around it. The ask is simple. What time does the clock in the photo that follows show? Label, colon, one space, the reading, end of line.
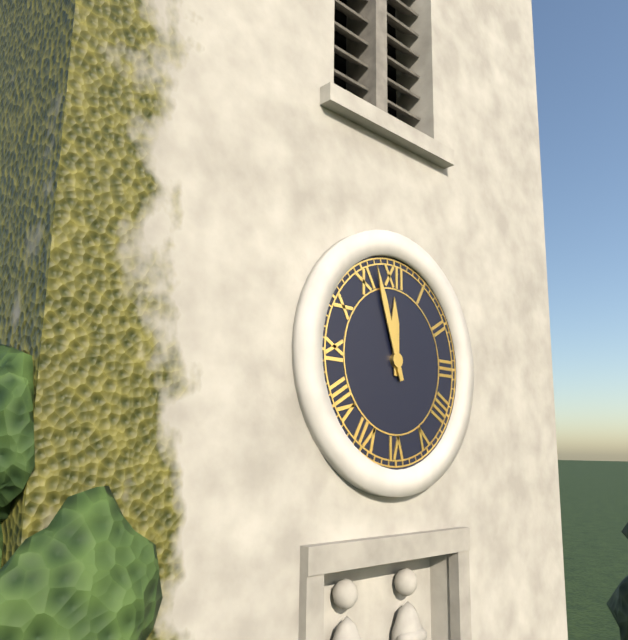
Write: 11:57
